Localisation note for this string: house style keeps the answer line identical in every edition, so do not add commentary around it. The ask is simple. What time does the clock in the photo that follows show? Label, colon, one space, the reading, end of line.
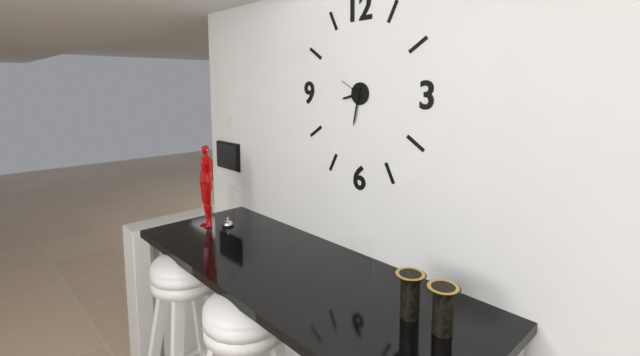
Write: 8:32
